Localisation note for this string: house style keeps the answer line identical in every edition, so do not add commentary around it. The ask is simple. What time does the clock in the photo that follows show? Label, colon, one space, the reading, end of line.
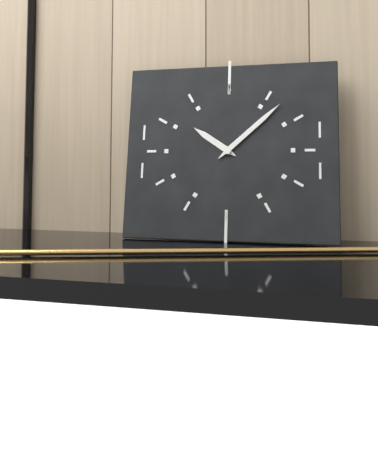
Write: 10:08
